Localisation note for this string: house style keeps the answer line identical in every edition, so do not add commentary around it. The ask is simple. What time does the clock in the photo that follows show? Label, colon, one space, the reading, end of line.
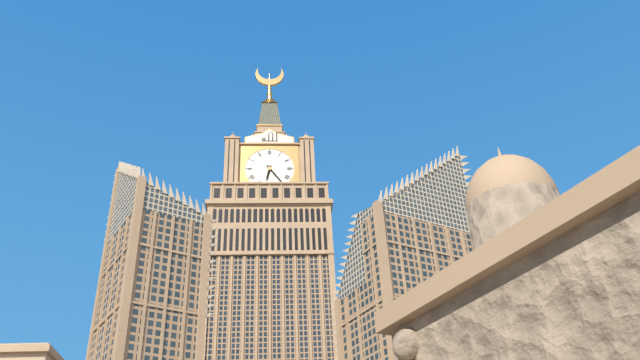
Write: 6:24
